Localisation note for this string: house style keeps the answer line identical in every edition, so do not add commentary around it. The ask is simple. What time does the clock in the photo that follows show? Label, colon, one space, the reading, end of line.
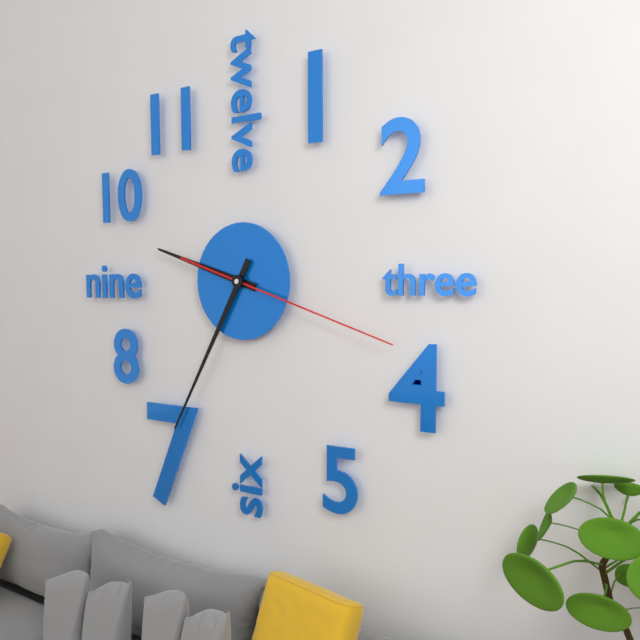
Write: 9:35:18
